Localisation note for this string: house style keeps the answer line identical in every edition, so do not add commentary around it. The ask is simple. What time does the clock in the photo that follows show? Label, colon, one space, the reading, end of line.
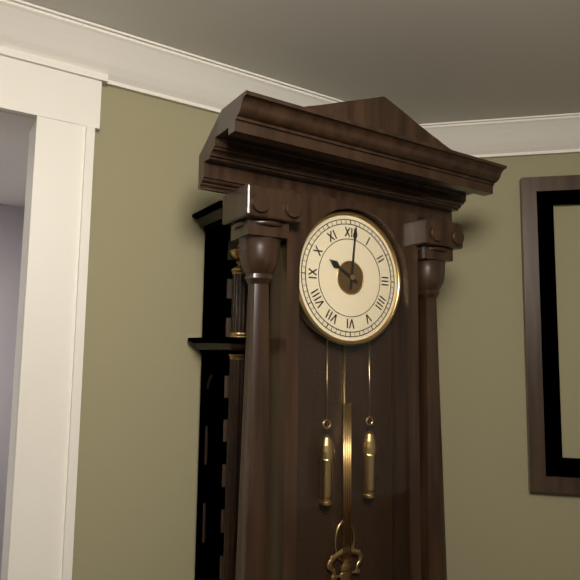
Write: 10:01
